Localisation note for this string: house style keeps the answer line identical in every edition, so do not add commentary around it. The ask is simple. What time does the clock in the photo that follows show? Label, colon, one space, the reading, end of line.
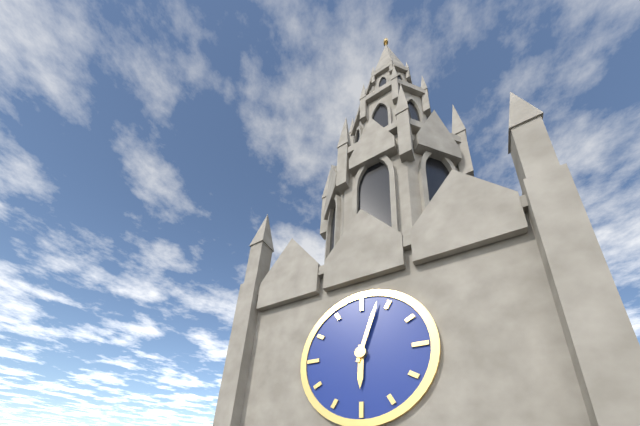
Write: 6:03
